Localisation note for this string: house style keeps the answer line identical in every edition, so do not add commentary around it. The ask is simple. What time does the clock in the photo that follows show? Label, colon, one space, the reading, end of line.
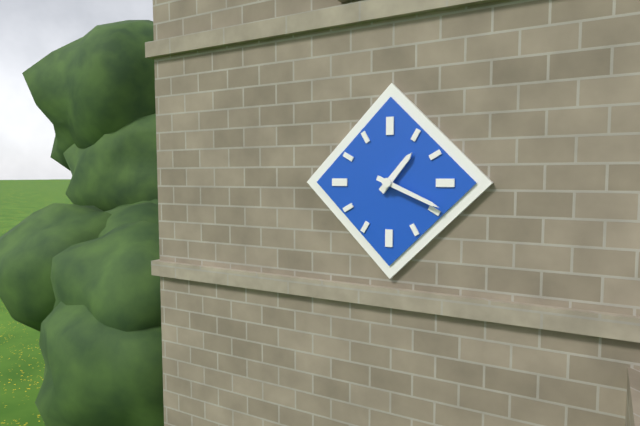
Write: 1:19
